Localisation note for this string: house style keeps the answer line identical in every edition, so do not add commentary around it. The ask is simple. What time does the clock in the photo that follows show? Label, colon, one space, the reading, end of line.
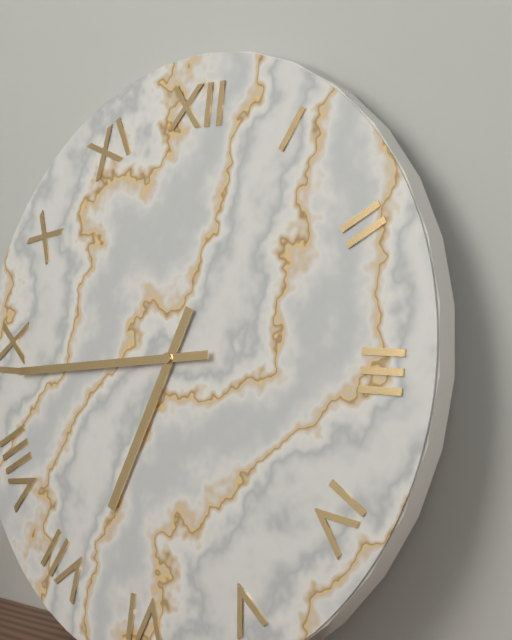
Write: 6:44
